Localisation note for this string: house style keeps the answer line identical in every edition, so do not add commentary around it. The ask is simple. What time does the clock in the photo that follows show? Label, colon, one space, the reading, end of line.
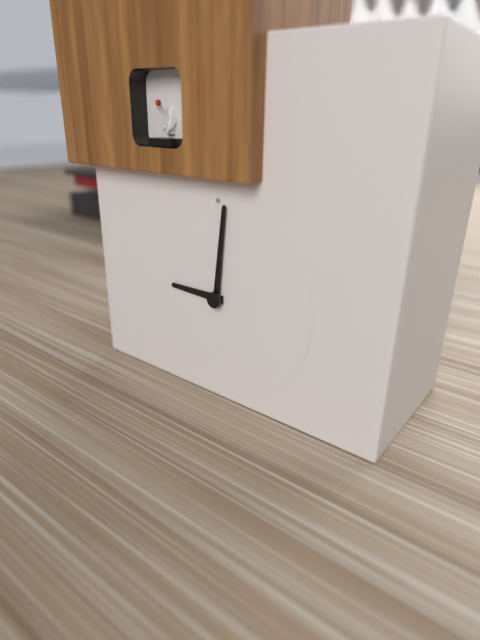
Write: 9:01
